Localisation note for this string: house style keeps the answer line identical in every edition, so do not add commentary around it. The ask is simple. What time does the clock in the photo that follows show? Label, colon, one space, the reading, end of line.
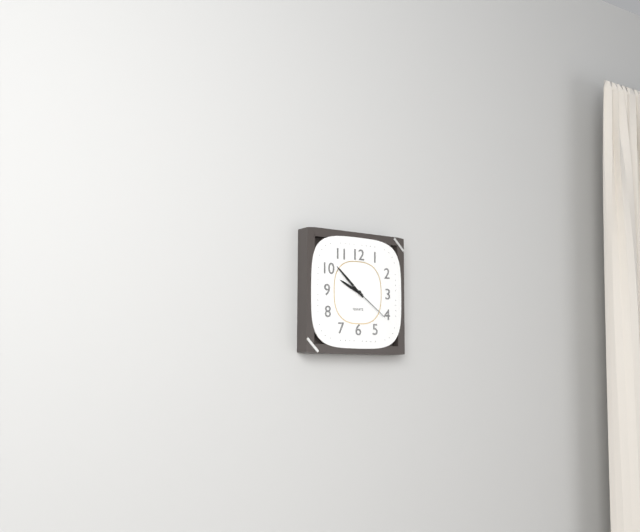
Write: 9:52
